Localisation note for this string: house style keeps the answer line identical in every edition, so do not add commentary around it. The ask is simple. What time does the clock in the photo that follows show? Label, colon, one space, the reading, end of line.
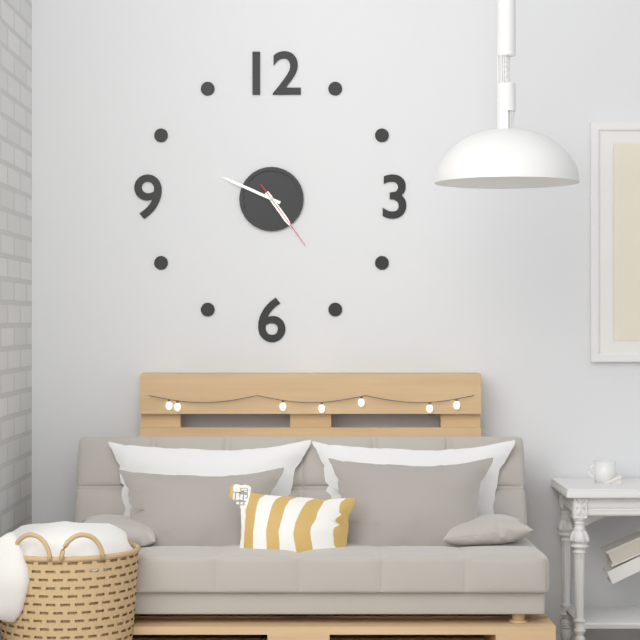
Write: 4:49:24
